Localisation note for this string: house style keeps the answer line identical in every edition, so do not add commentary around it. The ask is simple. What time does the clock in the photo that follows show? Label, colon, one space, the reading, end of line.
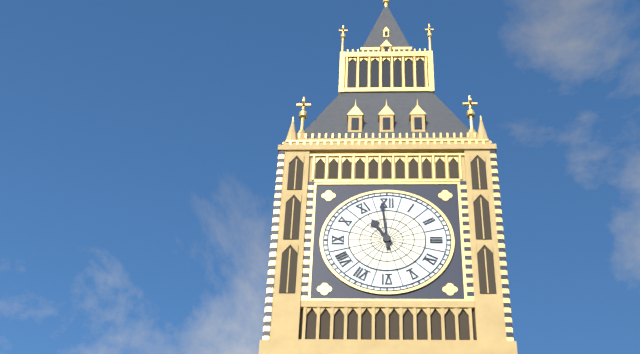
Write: 10:59
